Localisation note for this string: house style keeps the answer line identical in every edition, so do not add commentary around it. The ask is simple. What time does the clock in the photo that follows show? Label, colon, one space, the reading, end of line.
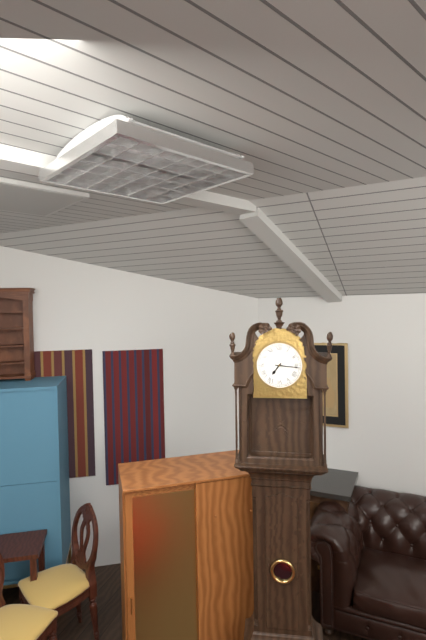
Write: 7:16
